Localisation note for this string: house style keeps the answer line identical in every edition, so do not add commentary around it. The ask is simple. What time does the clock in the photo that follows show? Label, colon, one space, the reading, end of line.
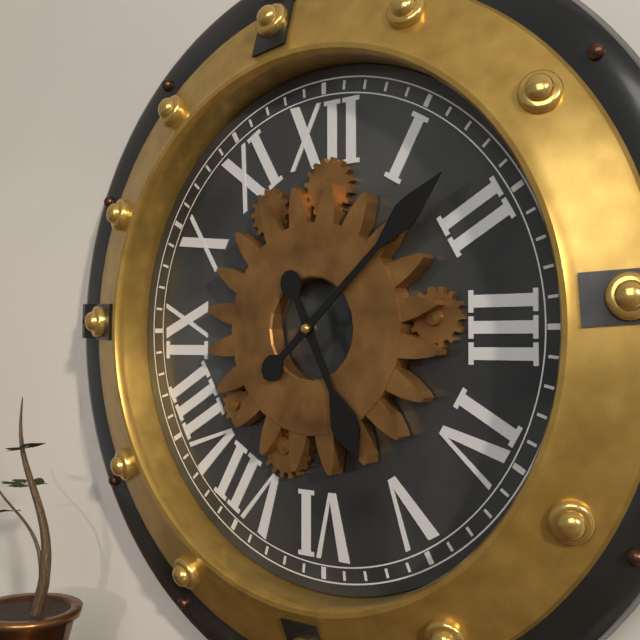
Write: 5:08
